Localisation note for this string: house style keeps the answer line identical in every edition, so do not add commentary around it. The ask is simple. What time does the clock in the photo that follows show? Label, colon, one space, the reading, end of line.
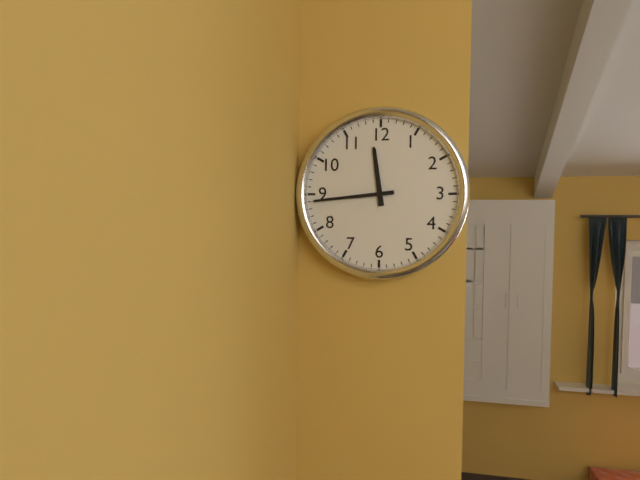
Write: 11:44
